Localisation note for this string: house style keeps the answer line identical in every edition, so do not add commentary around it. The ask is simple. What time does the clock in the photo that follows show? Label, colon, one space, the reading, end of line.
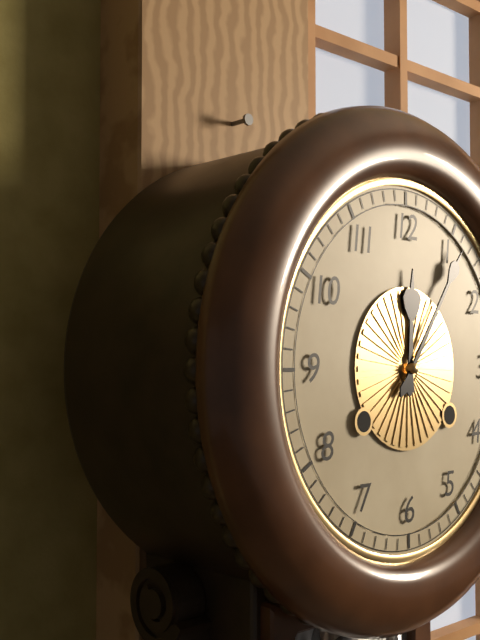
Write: 12:06
